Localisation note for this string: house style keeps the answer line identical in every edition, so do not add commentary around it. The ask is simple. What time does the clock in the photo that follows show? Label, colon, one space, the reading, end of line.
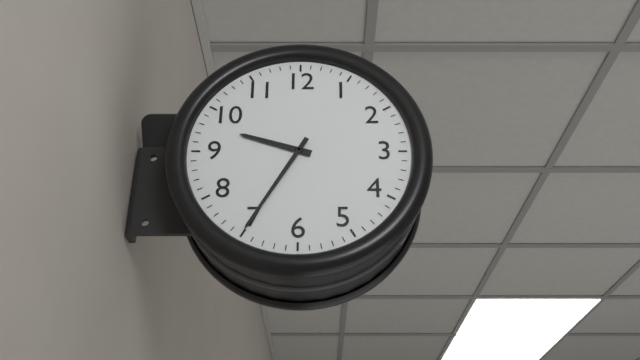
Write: 9:35
